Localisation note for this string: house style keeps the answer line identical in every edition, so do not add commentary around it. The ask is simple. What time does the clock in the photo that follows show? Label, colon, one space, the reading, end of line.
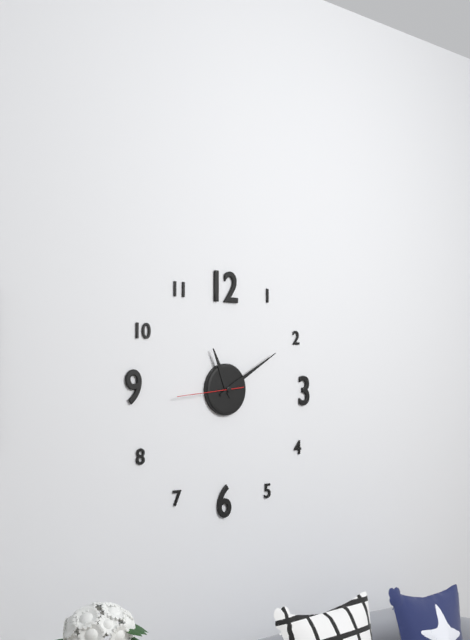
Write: 11:10:44
